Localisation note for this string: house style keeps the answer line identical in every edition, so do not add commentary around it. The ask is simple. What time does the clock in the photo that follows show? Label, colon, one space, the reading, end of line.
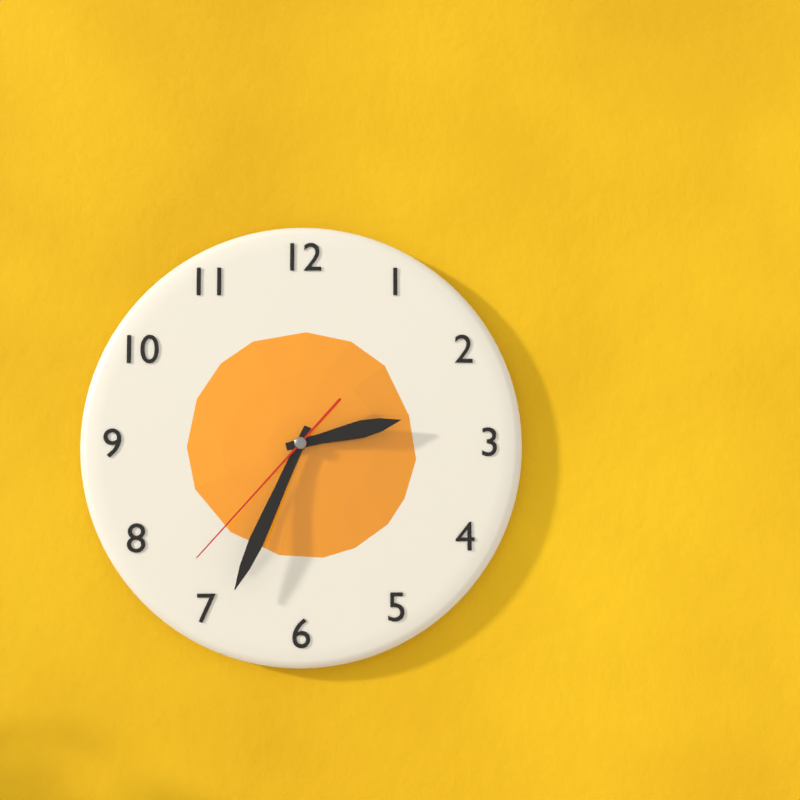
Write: 2:34:37
